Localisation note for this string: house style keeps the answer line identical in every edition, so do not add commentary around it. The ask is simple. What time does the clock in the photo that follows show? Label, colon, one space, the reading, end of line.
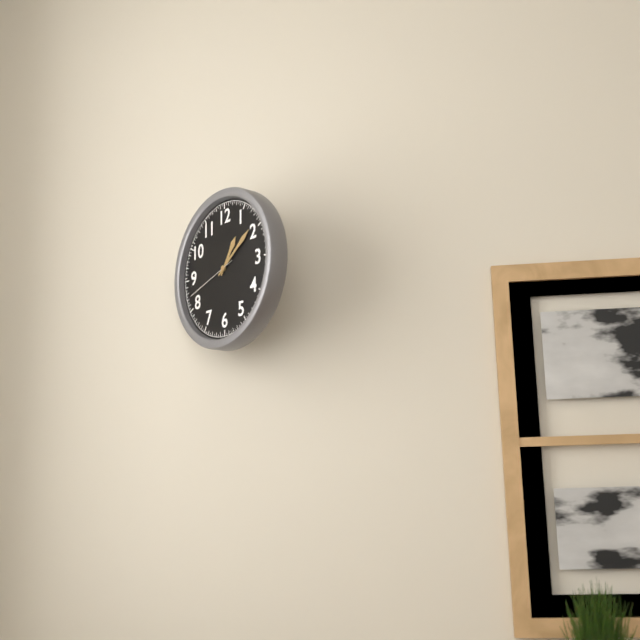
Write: 1:09:42
